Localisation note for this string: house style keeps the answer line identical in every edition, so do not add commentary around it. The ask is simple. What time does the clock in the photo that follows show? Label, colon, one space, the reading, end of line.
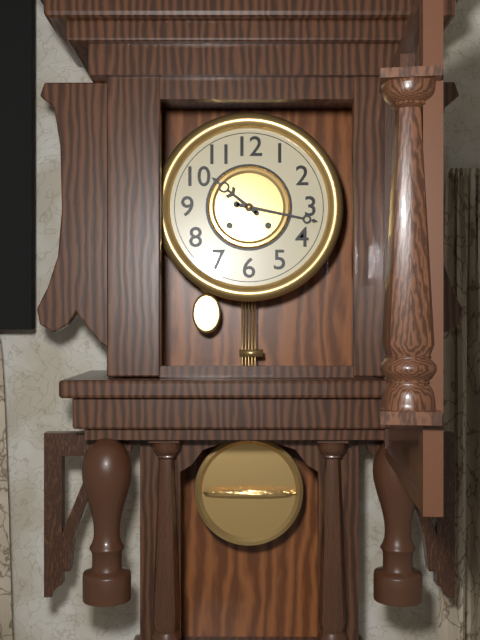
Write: 10:17
